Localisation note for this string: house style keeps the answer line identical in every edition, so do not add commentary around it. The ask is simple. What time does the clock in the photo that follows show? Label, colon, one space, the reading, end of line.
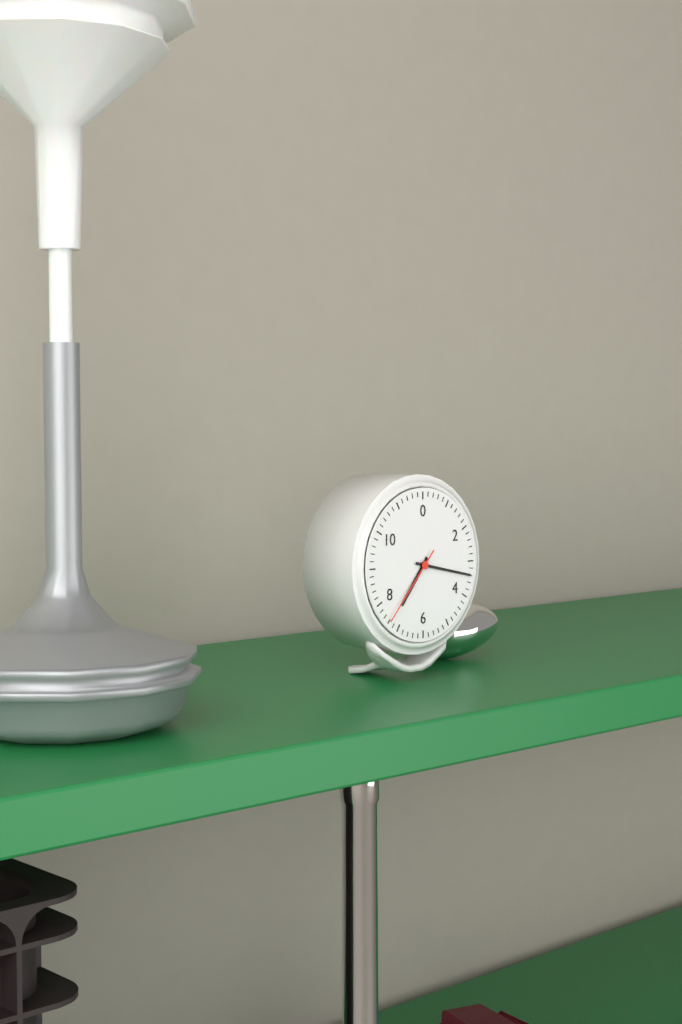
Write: 7:17:37
